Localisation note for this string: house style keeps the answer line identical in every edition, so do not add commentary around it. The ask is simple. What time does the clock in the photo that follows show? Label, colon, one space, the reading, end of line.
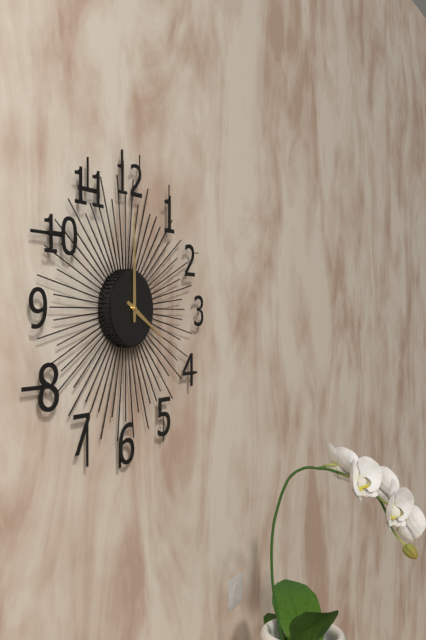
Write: 4:00
